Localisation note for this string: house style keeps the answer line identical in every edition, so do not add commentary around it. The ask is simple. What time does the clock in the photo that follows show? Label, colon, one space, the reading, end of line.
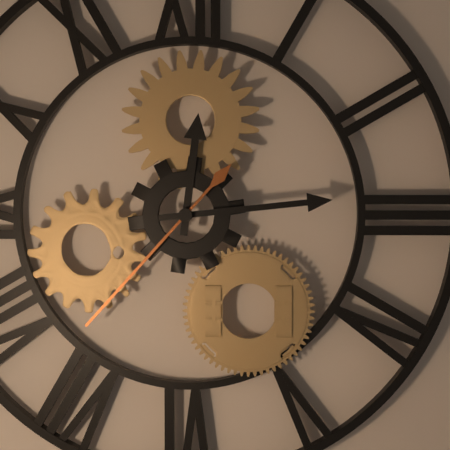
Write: 12:14:37
